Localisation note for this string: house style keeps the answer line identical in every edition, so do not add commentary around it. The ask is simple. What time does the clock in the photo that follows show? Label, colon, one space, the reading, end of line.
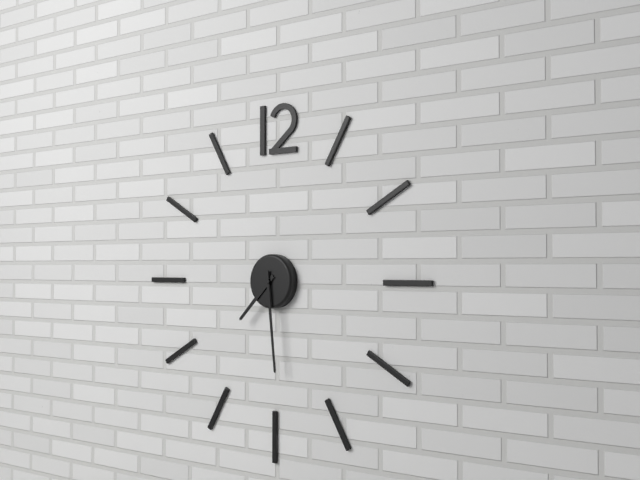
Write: 7:29
